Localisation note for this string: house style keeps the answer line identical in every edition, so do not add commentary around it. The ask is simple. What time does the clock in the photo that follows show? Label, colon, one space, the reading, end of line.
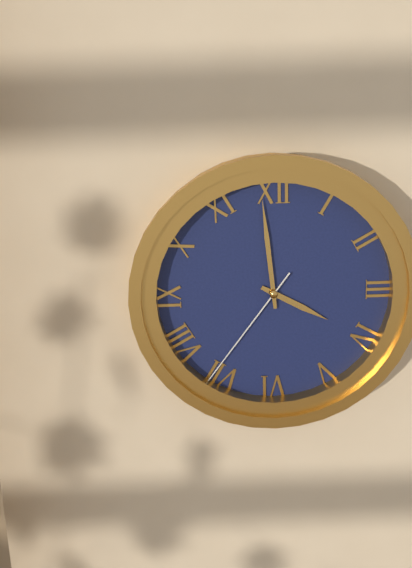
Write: 3:59:36
